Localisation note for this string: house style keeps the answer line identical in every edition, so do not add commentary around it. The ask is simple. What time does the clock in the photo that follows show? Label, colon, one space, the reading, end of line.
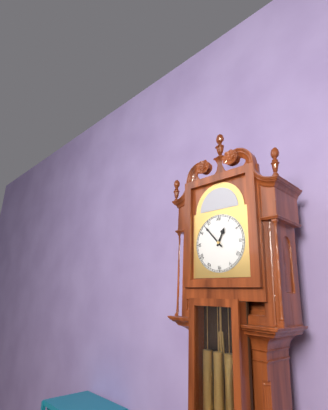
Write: 12:53
